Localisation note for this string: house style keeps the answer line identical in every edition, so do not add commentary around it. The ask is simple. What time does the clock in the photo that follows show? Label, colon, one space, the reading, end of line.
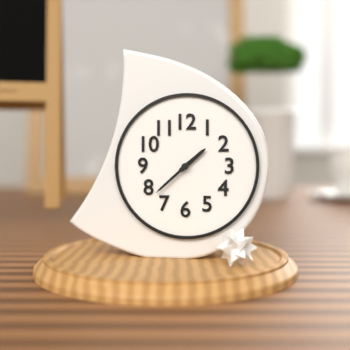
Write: 1:38
